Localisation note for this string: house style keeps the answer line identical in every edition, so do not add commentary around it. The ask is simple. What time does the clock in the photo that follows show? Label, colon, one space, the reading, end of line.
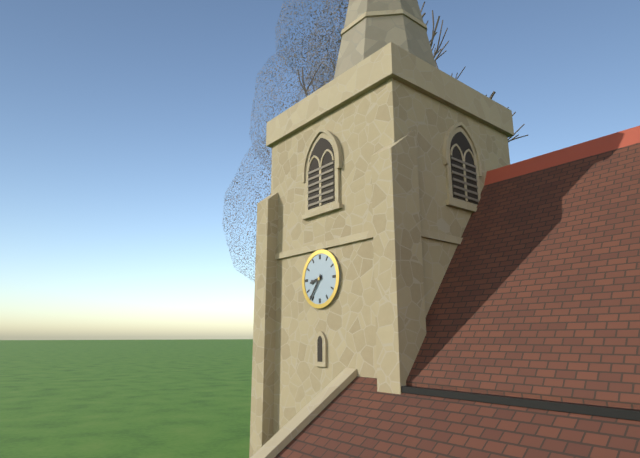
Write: 8:36
